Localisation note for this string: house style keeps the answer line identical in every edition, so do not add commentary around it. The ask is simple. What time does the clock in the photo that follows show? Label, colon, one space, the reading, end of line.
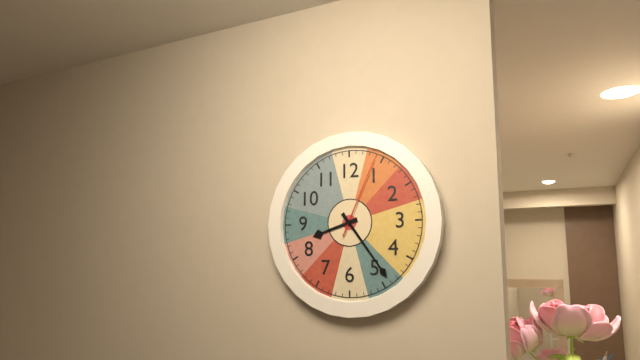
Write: 8:24:04
